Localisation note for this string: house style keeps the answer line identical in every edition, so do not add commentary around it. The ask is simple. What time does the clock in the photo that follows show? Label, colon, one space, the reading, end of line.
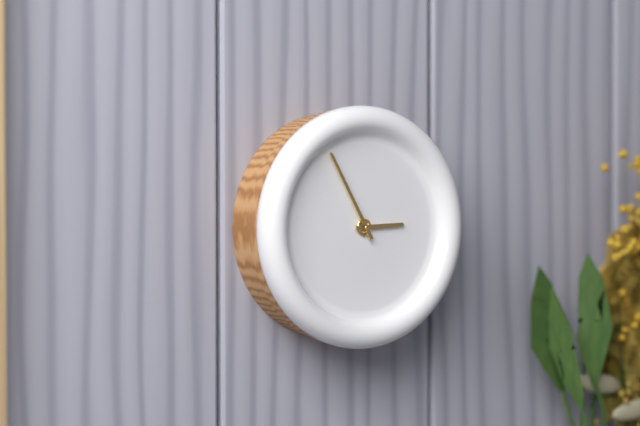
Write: 2:55
